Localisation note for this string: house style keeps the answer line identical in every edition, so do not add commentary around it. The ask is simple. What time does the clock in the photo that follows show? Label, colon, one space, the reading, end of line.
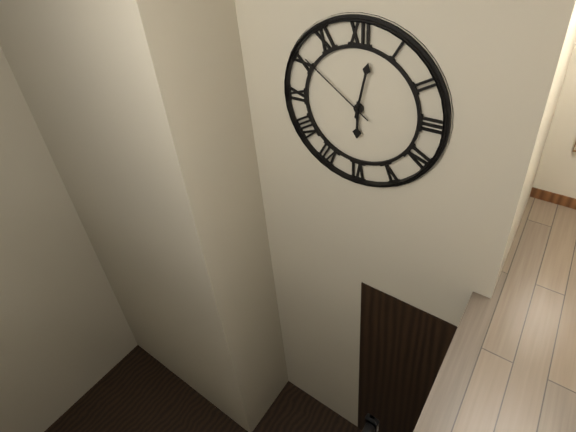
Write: 6:02:51
